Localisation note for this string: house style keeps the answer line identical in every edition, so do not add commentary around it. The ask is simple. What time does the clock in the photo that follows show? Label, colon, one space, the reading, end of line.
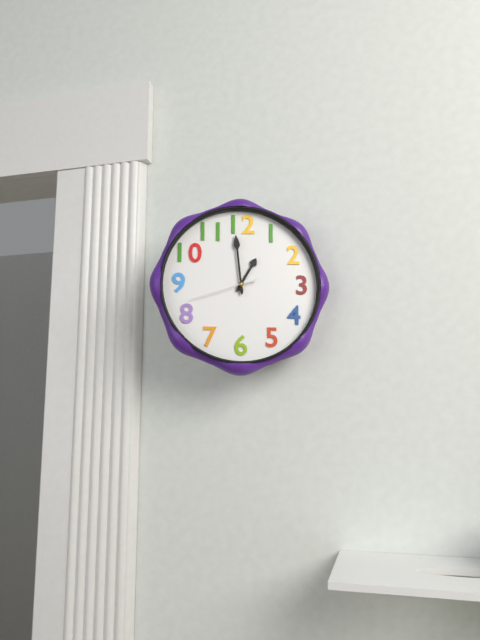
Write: 12:59:42
